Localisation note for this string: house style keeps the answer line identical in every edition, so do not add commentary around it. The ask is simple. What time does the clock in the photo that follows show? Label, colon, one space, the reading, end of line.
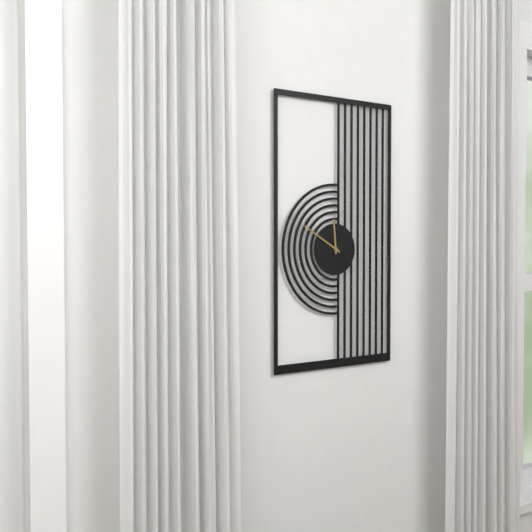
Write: 11:50
